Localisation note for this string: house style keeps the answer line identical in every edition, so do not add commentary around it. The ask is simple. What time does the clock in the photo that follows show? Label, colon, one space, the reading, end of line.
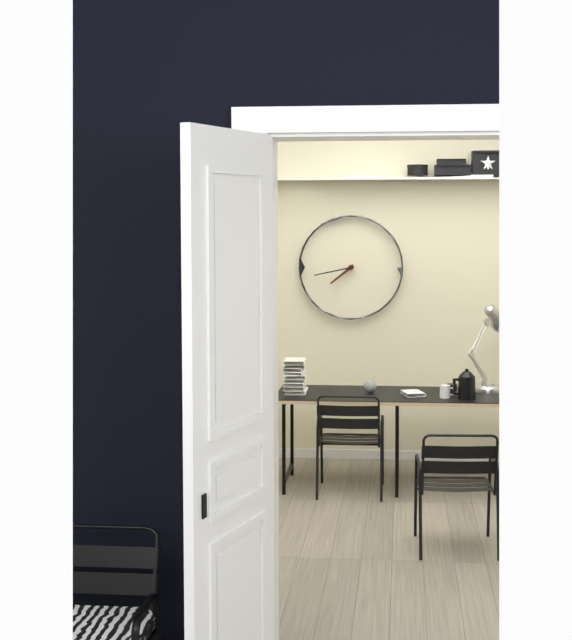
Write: 7:43
